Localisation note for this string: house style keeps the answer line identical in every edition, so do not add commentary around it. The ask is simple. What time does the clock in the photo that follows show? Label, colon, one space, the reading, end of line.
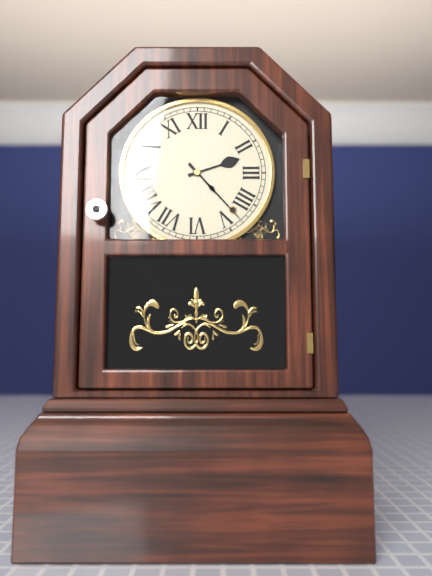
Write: 2:23
